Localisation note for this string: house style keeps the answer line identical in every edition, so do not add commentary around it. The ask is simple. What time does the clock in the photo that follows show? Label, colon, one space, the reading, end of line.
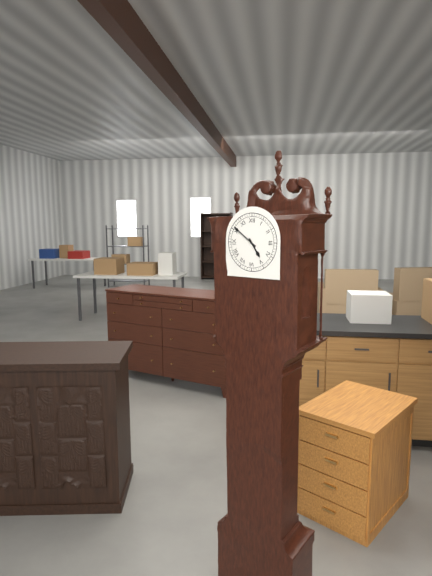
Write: 4:51
